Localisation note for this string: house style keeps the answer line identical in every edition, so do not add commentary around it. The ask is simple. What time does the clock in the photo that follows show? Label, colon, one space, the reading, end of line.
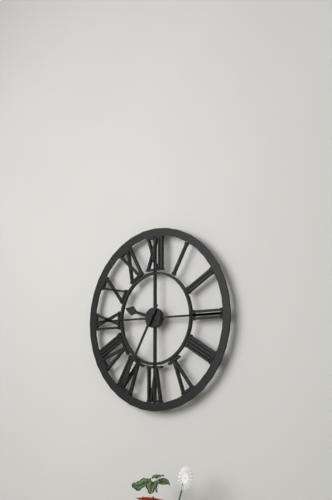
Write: 9:35
